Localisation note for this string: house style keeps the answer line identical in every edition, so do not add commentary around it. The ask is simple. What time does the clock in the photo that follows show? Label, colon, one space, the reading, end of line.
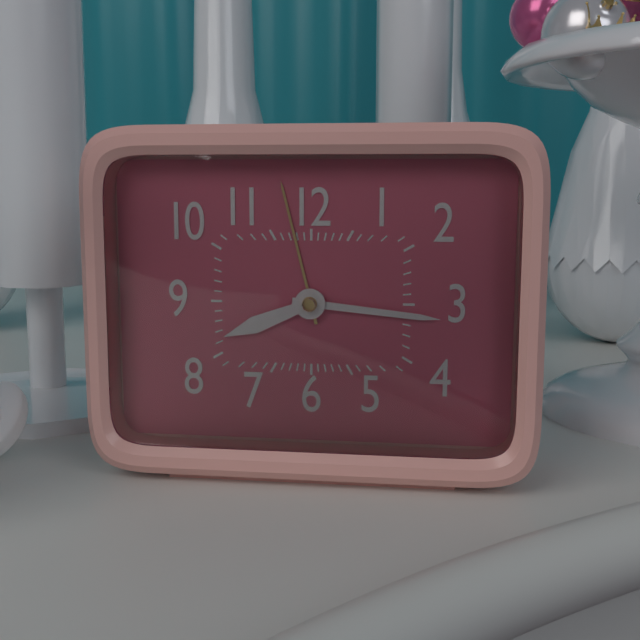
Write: 8:16
